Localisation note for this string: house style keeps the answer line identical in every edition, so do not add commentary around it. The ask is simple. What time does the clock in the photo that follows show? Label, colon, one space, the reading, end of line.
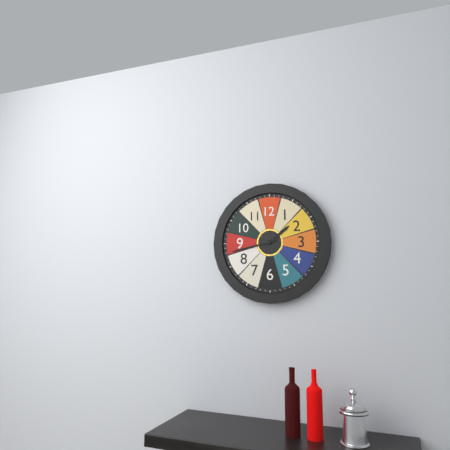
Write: 1:43
